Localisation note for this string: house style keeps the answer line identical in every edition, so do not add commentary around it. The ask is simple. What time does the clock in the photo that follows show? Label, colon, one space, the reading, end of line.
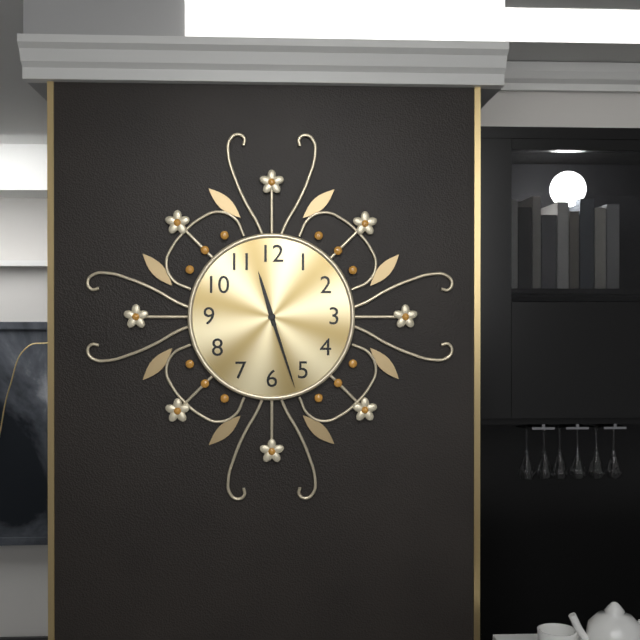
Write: 11:27
